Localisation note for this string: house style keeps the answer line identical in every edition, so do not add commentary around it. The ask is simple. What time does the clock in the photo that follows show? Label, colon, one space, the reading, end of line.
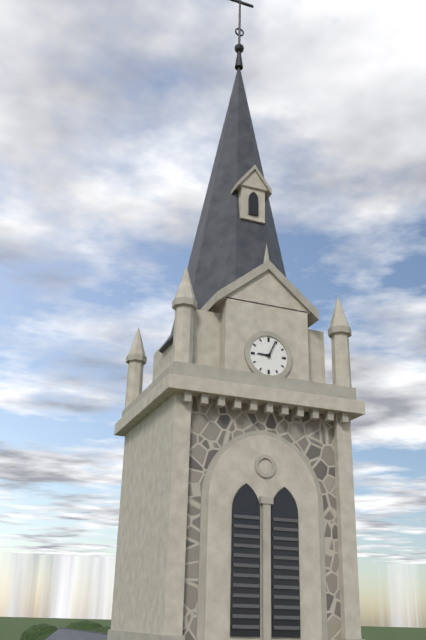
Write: 9:04
